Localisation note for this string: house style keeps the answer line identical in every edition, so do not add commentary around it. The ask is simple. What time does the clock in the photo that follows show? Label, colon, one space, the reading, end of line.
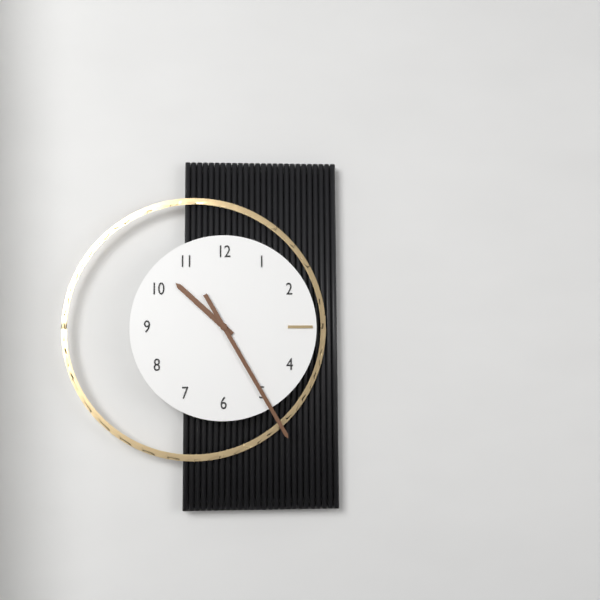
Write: 10:25
